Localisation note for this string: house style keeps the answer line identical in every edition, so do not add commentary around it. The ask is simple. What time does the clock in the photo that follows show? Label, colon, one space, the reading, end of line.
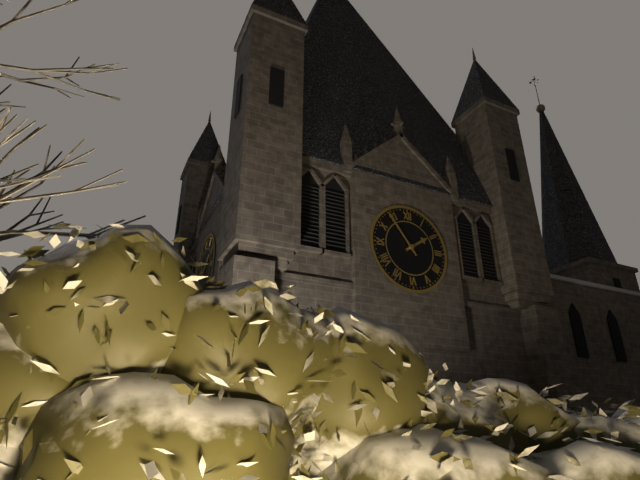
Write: 1:54
